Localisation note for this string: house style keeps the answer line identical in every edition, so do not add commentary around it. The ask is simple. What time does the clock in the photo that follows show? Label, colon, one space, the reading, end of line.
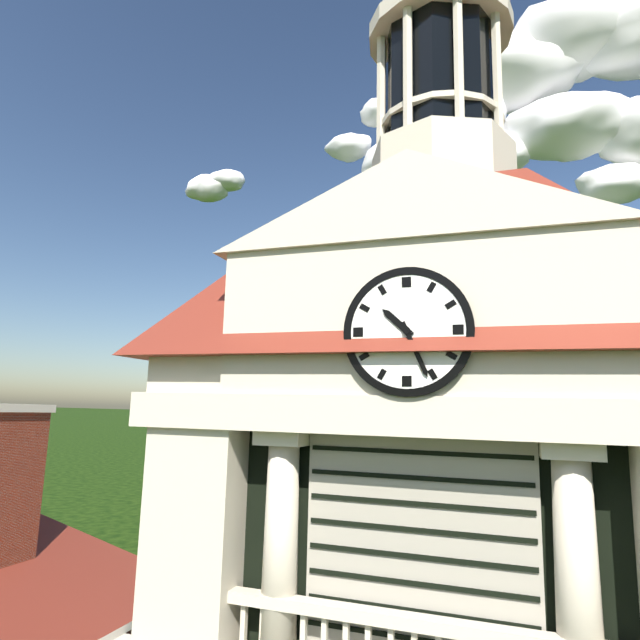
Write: 10:26
